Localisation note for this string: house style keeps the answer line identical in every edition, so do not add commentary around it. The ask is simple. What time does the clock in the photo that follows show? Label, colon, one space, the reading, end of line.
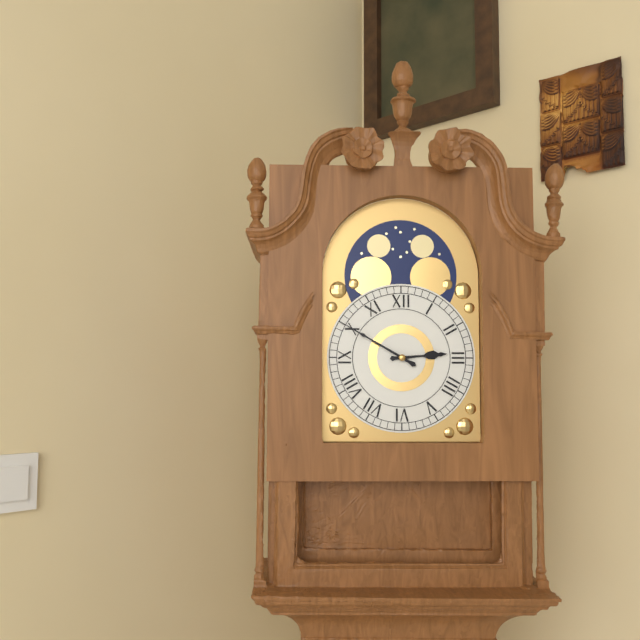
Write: 2:50
